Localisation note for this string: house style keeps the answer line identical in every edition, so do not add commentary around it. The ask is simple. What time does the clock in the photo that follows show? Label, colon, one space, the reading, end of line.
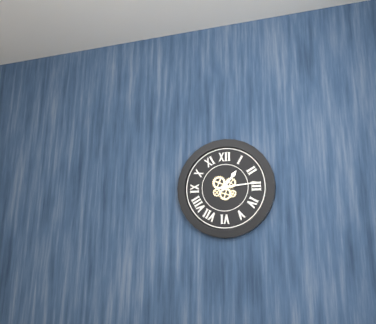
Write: 1:14
